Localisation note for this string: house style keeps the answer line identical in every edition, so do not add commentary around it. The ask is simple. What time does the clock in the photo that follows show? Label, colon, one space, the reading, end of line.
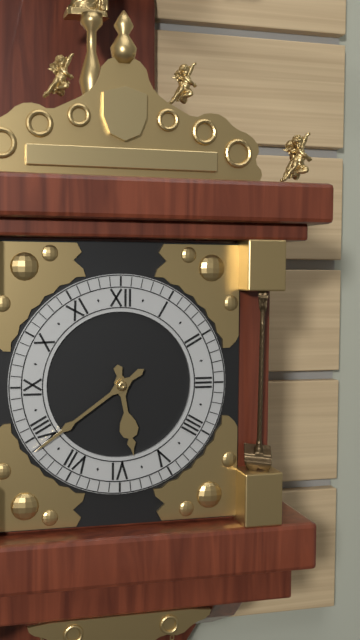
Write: 5:39
